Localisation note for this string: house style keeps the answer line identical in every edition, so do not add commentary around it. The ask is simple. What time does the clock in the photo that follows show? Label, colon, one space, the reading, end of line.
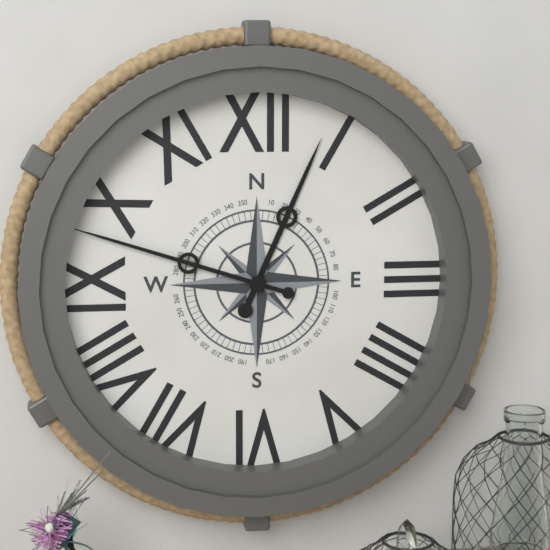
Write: 12:48
